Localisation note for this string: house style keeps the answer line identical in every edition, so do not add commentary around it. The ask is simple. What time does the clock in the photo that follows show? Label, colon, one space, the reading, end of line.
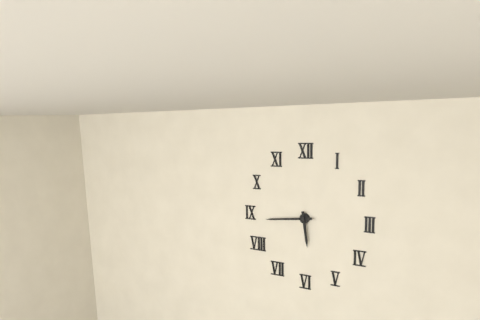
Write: 5:44
